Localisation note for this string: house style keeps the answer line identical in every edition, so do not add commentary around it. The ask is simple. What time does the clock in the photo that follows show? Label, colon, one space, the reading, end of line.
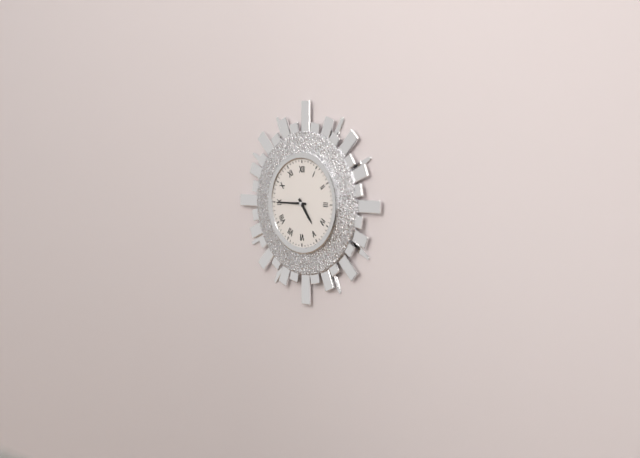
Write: 4:45
